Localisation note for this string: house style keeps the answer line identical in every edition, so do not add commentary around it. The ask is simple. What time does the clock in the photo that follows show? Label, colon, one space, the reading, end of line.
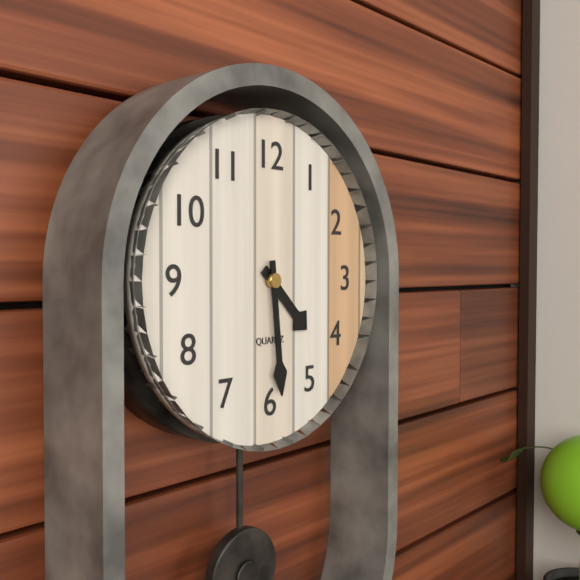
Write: 4:29
